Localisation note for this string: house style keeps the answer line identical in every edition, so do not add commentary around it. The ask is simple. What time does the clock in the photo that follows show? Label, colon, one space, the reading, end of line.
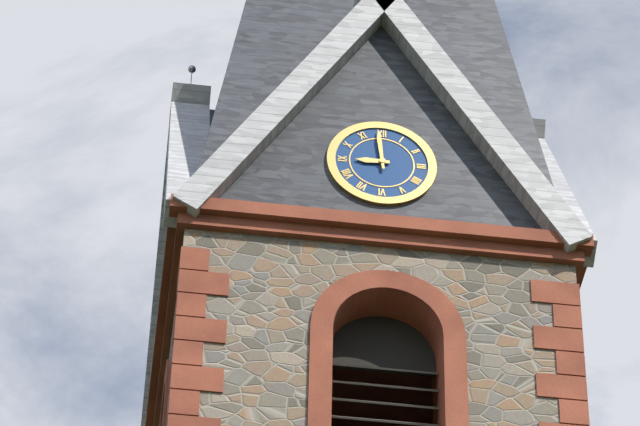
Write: 8:59
